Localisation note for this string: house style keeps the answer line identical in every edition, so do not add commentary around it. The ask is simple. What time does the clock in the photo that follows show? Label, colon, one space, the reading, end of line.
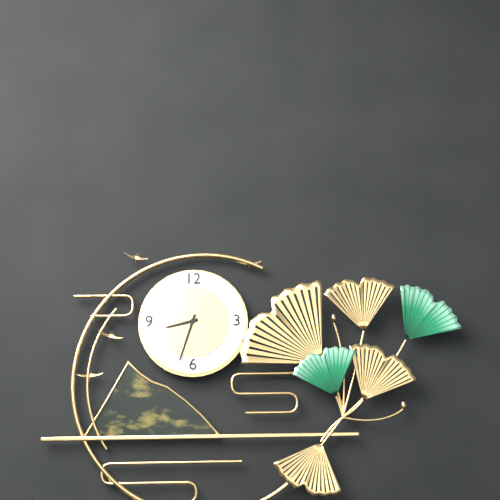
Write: 8:33
